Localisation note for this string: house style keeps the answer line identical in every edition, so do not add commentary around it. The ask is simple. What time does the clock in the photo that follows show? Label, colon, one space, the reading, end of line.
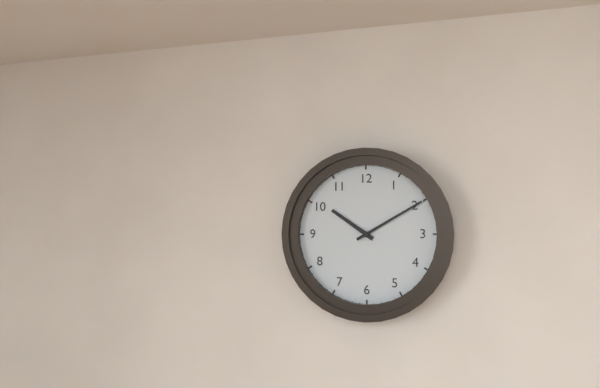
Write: 10:10
